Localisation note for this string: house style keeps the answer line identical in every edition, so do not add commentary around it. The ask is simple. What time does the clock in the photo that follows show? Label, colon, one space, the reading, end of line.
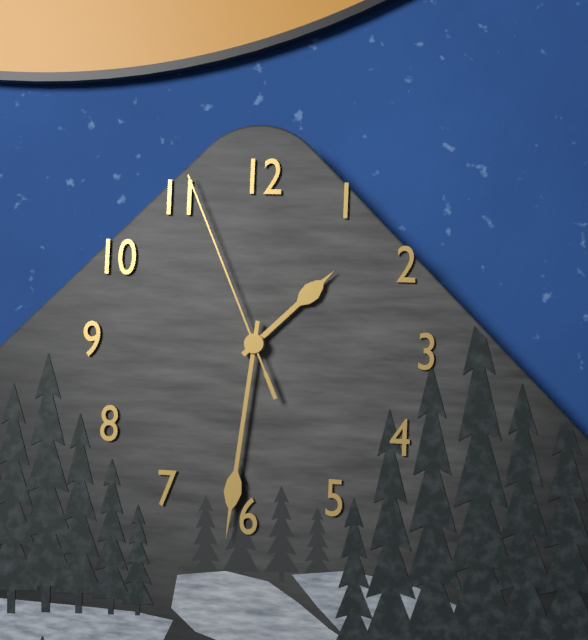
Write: 1:31:56
